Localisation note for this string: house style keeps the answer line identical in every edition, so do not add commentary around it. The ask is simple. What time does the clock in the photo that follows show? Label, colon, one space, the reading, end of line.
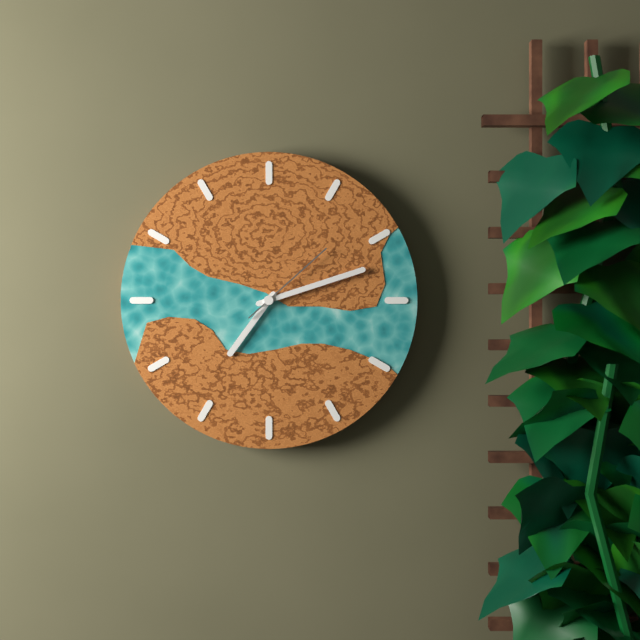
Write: 7:12:08
